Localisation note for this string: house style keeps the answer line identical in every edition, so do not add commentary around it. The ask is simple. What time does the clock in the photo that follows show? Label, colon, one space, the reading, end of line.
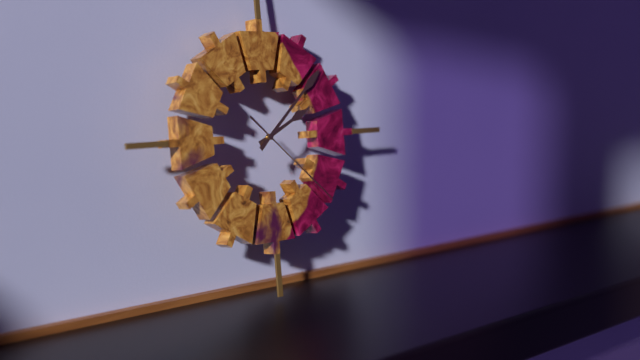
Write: 2:08:22
